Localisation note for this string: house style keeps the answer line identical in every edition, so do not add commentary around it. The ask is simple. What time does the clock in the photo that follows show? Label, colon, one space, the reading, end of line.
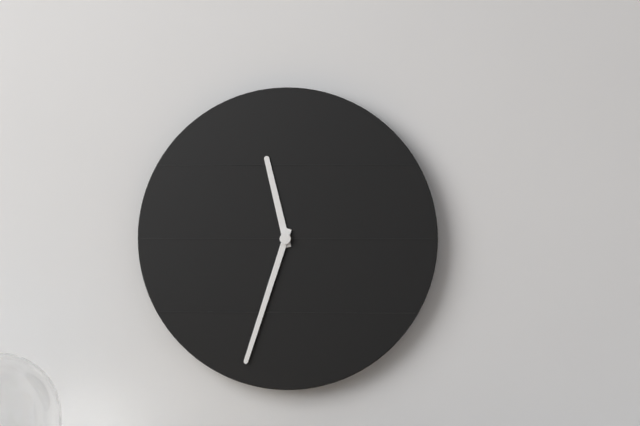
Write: 11:33
